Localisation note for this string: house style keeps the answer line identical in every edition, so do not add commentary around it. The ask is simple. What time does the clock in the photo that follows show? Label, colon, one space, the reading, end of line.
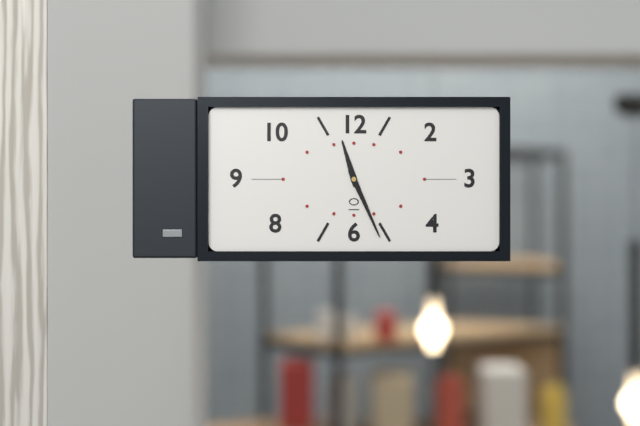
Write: 11:26
